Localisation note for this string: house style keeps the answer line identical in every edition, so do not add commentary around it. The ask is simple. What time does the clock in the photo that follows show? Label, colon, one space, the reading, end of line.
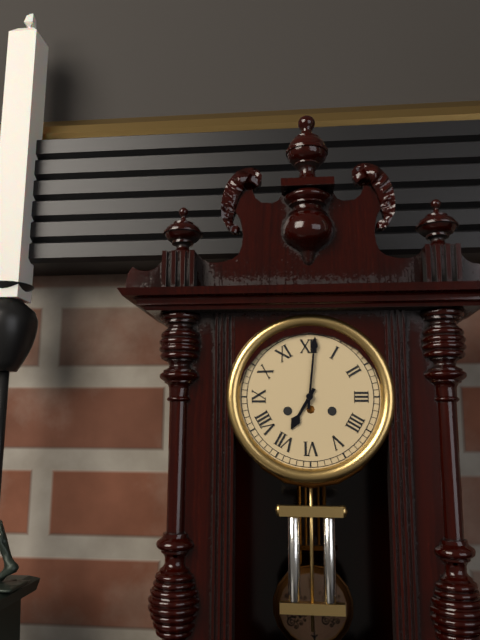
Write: 7:01
